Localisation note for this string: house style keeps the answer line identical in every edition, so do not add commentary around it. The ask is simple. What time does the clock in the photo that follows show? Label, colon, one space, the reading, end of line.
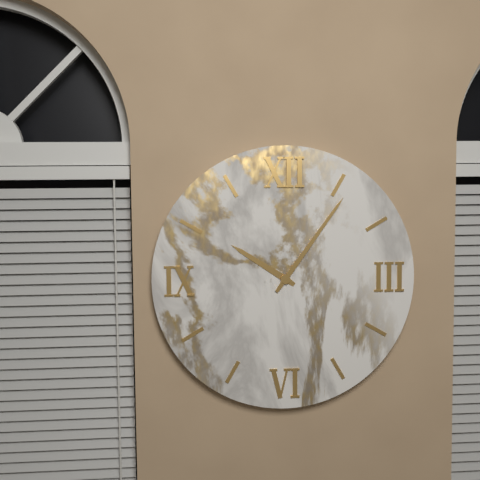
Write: 10:06
